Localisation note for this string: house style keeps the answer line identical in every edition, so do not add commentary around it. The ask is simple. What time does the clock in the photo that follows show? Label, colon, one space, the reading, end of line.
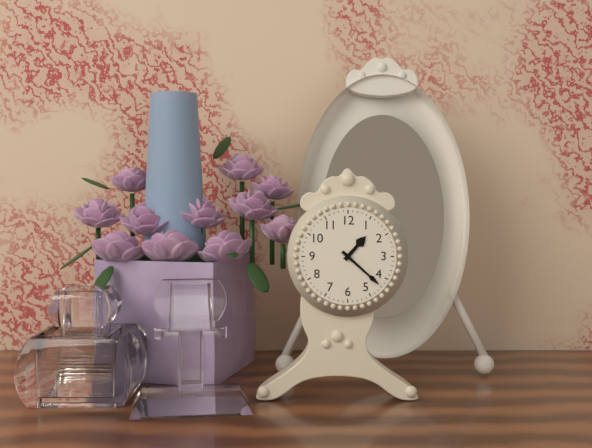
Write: 1:22
